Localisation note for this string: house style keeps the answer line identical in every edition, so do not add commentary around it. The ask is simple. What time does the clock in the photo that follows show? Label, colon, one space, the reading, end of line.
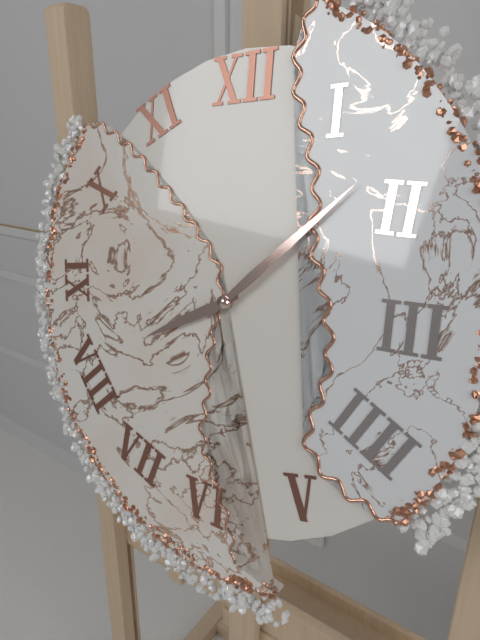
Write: 8:08
